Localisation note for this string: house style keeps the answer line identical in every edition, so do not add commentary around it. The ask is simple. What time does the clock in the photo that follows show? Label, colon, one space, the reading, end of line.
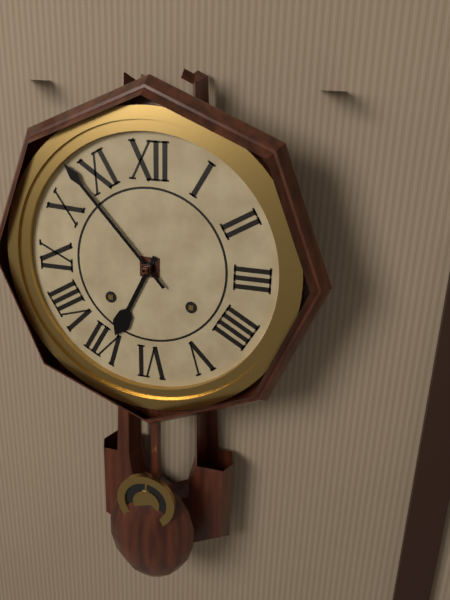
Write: 6:53
